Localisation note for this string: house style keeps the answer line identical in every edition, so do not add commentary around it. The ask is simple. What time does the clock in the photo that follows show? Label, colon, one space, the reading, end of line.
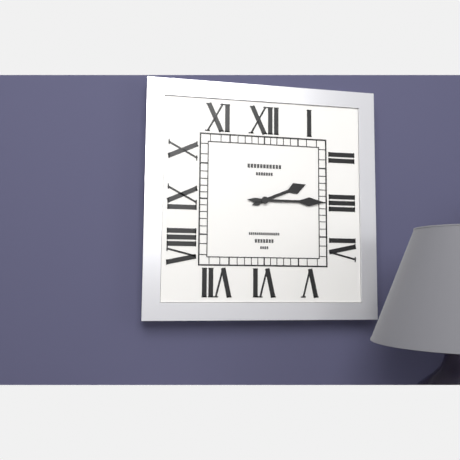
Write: 2:15
